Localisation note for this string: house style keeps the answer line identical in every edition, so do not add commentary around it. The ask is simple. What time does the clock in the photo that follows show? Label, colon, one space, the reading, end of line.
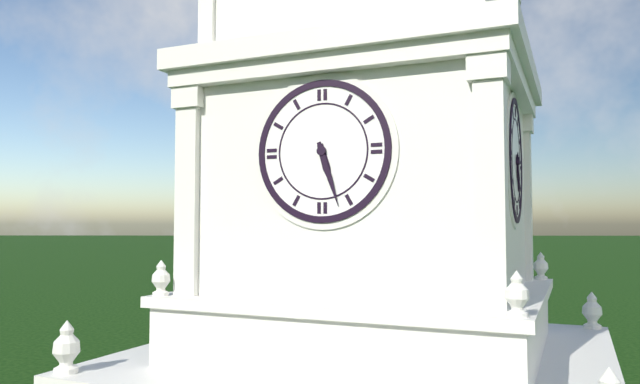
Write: 5:27
